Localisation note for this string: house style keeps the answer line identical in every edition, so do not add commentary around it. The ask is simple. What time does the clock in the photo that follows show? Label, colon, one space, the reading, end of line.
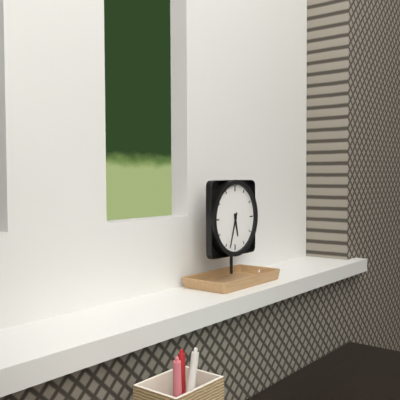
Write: 5:33
